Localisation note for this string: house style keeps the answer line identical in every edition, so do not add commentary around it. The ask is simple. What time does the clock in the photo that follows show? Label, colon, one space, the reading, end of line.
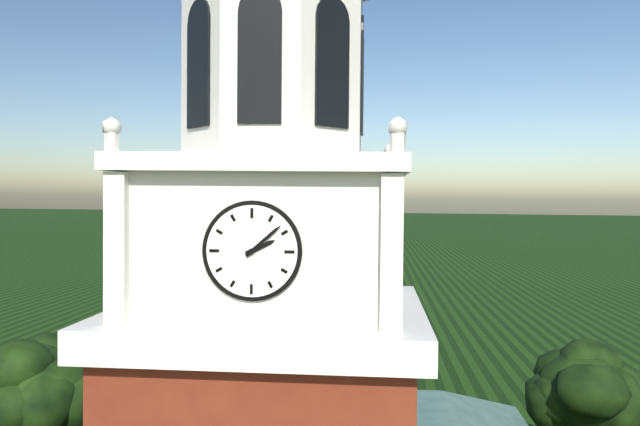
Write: 2:08
